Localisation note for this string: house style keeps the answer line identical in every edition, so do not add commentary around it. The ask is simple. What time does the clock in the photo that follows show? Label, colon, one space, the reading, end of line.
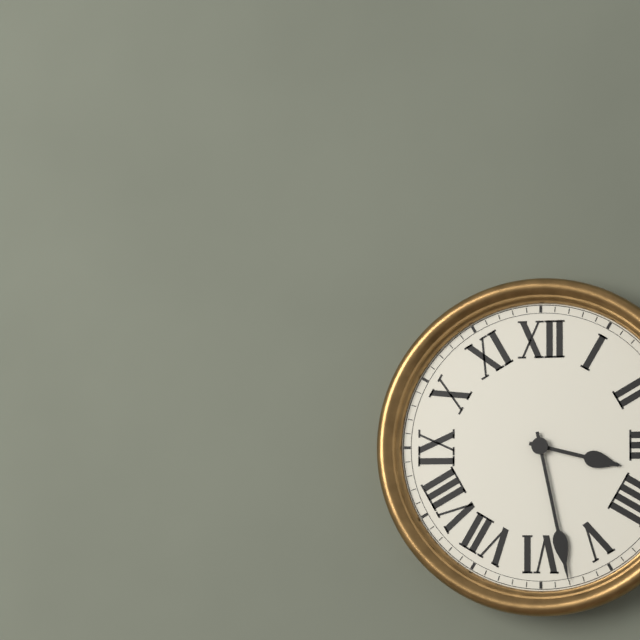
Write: 3:28
